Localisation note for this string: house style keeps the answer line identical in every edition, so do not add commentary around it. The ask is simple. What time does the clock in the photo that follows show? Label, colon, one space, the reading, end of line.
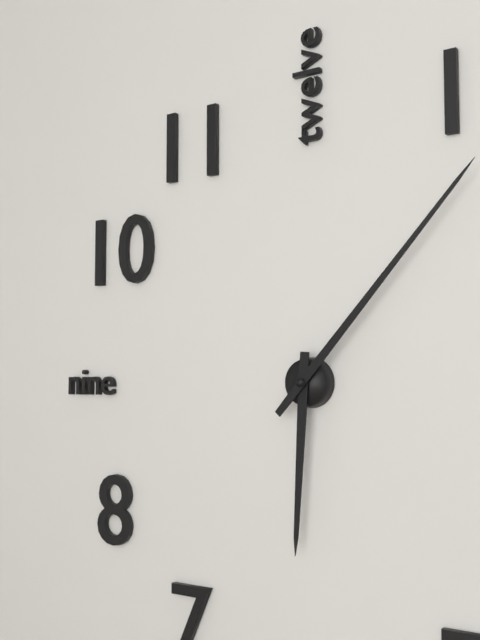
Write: 6:07
